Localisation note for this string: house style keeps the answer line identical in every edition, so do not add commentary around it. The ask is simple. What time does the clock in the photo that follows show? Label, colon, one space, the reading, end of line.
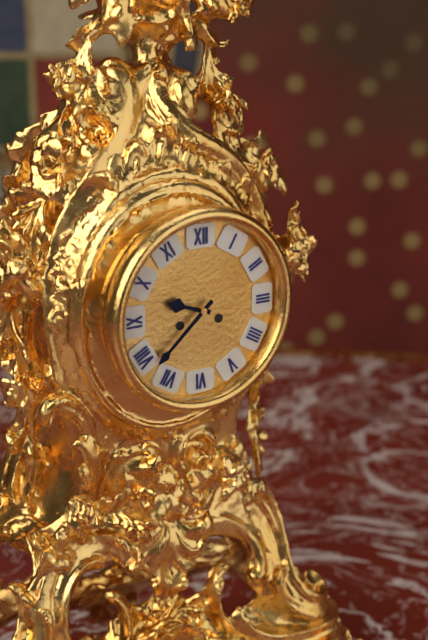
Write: 9:38
